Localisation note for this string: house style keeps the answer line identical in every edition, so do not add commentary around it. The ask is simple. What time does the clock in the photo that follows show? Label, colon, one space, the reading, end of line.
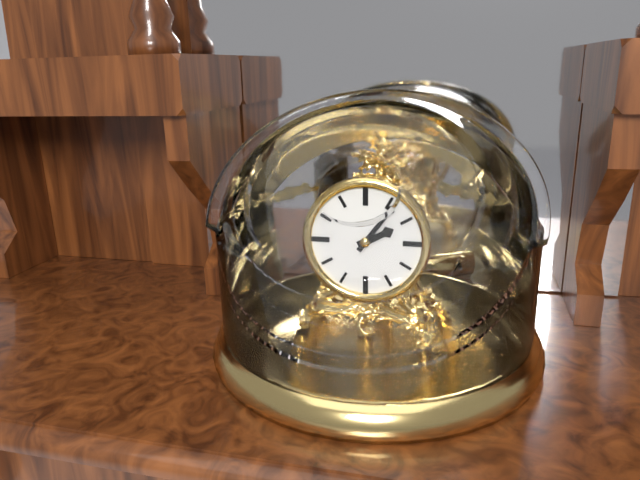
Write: 2:06
